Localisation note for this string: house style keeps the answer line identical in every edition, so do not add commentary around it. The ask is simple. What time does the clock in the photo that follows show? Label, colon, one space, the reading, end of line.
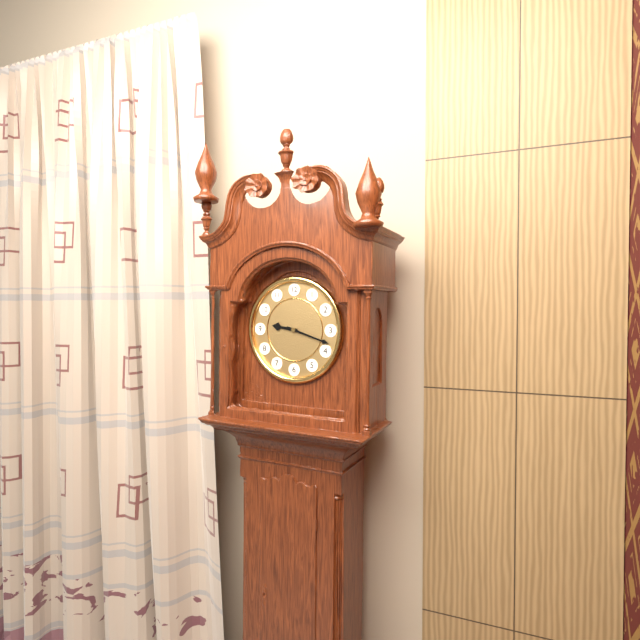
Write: 9:18
